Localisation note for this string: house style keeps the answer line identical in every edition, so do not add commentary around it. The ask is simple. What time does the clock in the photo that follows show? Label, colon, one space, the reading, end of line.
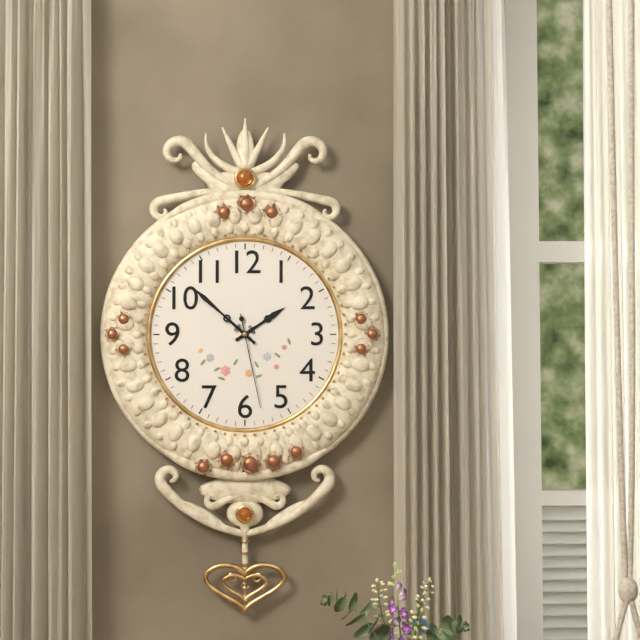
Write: 1:52:28
